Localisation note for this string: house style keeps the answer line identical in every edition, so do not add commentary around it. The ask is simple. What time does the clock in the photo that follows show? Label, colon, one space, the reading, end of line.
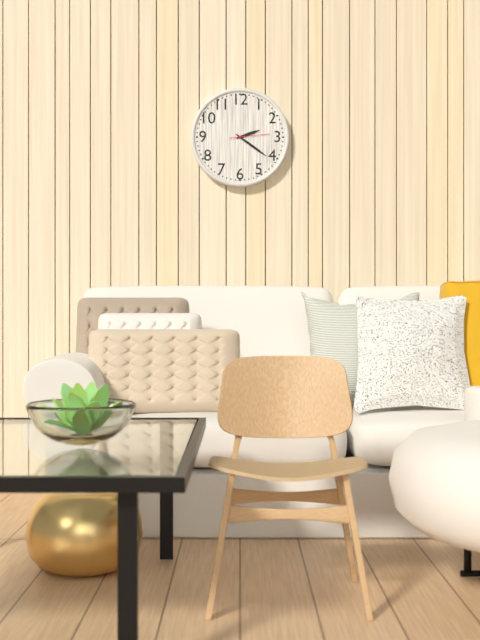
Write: 2:21
